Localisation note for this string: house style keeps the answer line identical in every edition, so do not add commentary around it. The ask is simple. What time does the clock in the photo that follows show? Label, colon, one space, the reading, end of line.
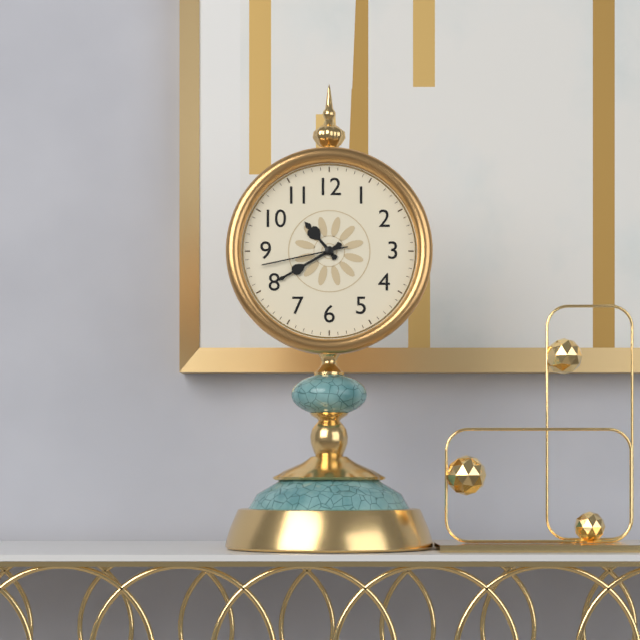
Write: 10:40:43
